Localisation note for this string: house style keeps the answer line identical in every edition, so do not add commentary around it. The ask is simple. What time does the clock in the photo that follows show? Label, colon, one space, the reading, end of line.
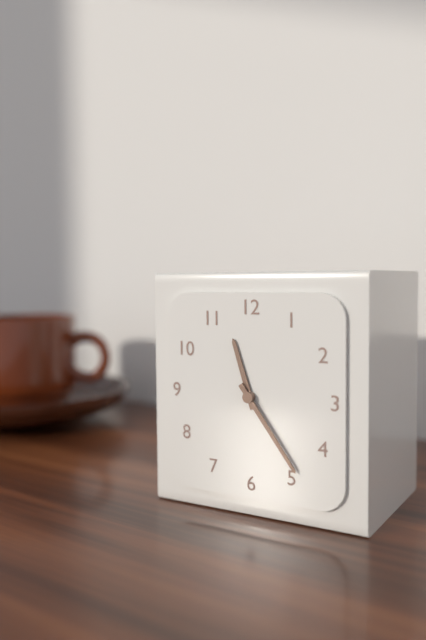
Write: 11:24
